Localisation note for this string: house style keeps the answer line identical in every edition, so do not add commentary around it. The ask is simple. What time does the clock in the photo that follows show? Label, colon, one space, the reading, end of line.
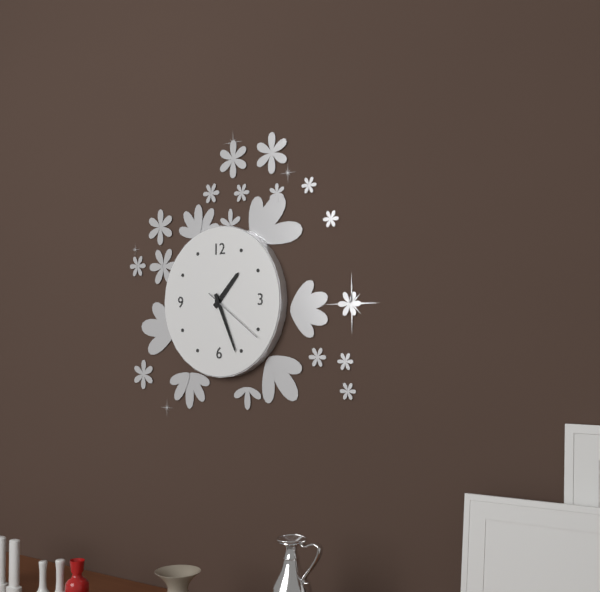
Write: 1:26:21
